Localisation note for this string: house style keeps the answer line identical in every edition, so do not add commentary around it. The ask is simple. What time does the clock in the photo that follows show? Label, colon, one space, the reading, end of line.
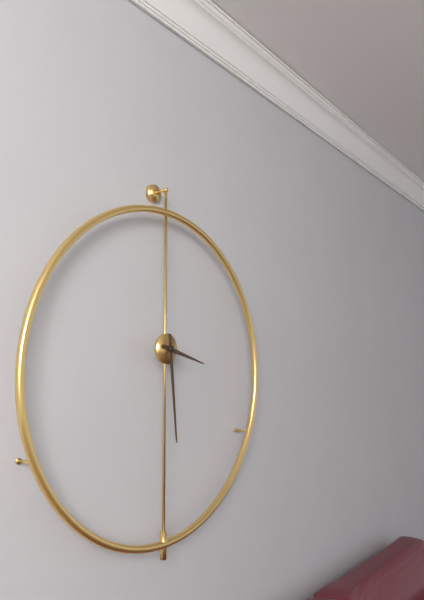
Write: 3:29
